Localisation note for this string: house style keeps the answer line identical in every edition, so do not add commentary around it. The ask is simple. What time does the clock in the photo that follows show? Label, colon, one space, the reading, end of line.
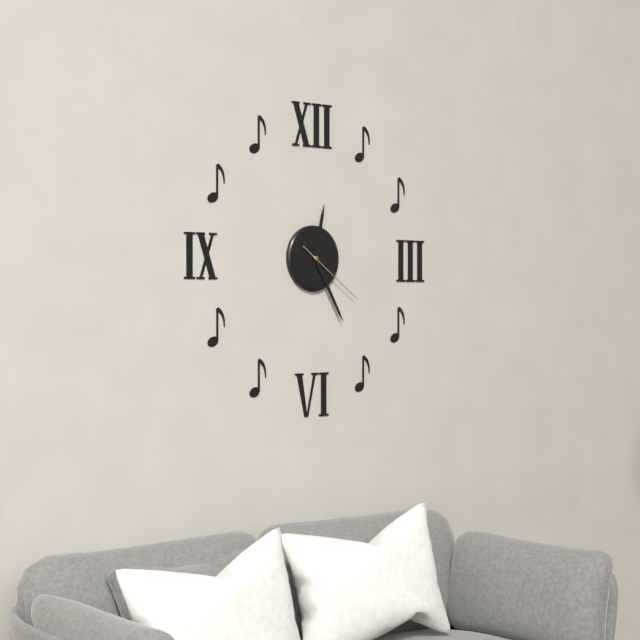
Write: 12:25:21
